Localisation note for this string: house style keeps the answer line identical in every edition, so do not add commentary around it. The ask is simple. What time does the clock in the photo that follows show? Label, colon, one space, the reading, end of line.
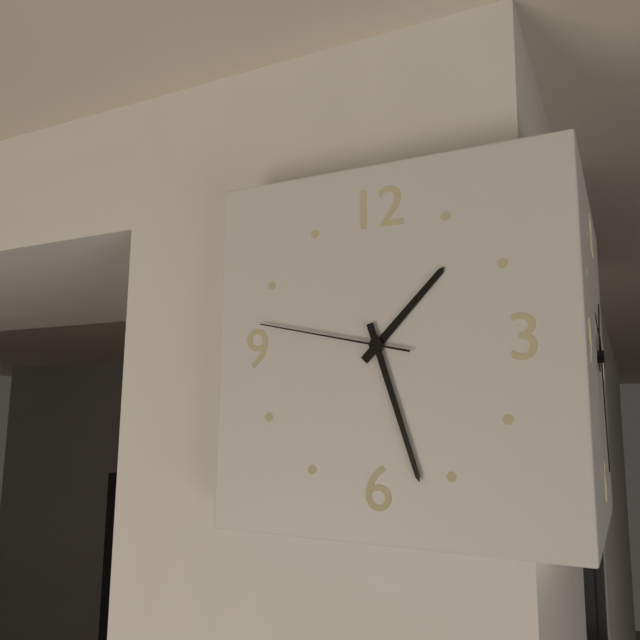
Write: 1:27:47
